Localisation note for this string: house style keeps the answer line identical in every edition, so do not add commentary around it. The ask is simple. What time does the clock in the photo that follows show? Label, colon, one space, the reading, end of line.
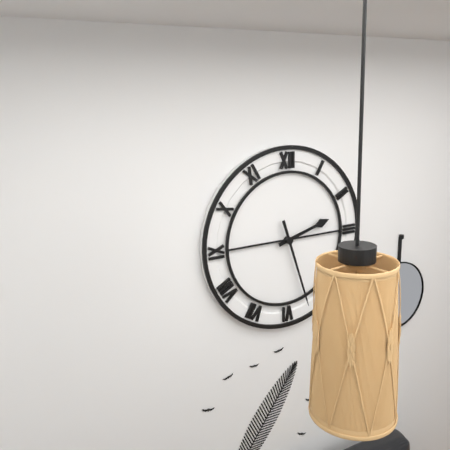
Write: 2:27
